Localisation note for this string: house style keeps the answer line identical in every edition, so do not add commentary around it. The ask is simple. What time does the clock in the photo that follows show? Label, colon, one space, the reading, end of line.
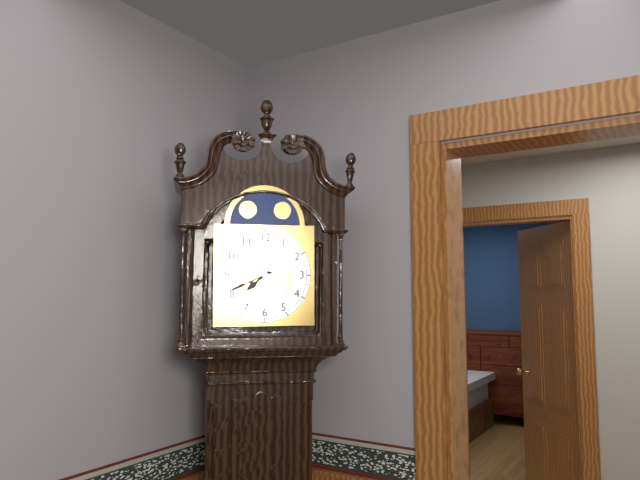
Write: 7:41
